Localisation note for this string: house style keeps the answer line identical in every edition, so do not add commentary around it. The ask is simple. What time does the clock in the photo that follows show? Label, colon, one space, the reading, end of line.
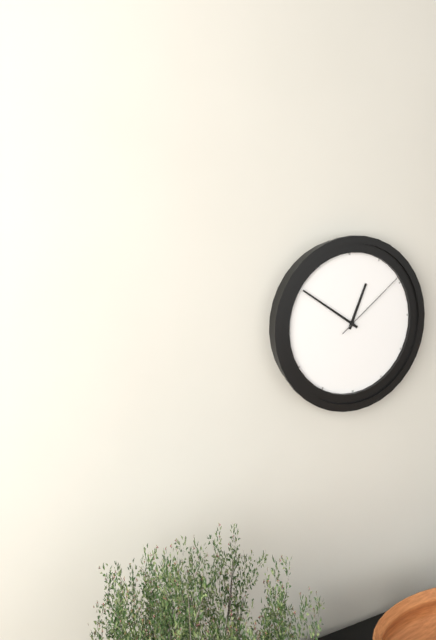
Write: 12:51:09
